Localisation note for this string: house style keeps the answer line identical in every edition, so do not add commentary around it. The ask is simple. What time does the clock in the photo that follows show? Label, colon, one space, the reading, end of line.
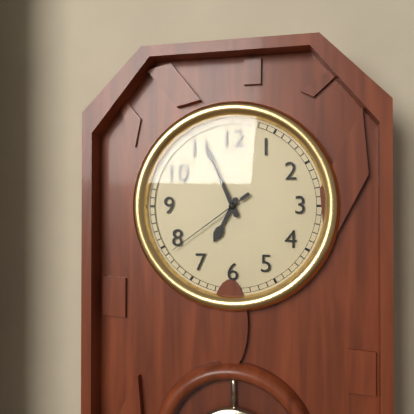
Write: 6:56:39
